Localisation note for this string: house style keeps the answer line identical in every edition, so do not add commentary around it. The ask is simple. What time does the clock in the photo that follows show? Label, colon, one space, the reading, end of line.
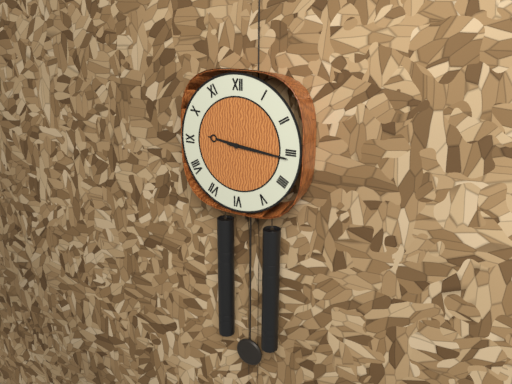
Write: 9:16
